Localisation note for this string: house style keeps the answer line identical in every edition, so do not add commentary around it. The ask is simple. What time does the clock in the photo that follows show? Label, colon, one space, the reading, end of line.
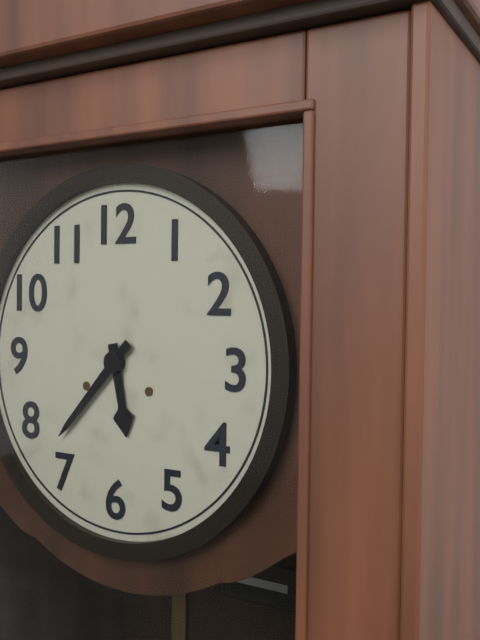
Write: 5:37
